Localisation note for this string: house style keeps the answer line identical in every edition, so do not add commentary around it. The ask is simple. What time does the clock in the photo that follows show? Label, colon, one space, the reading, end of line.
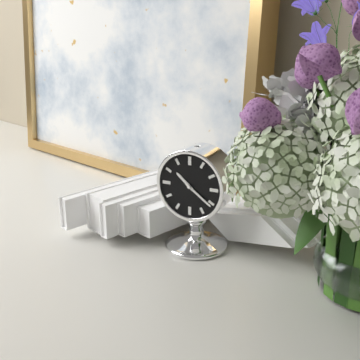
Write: 10:21
